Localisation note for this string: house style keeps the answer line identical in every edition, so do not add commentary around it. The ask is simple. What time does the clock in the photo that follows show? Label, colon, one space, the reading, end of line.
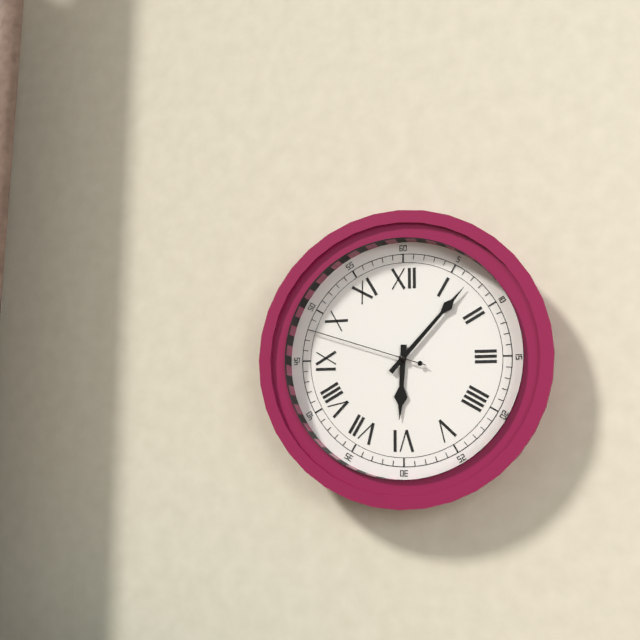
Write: 6:07:48
